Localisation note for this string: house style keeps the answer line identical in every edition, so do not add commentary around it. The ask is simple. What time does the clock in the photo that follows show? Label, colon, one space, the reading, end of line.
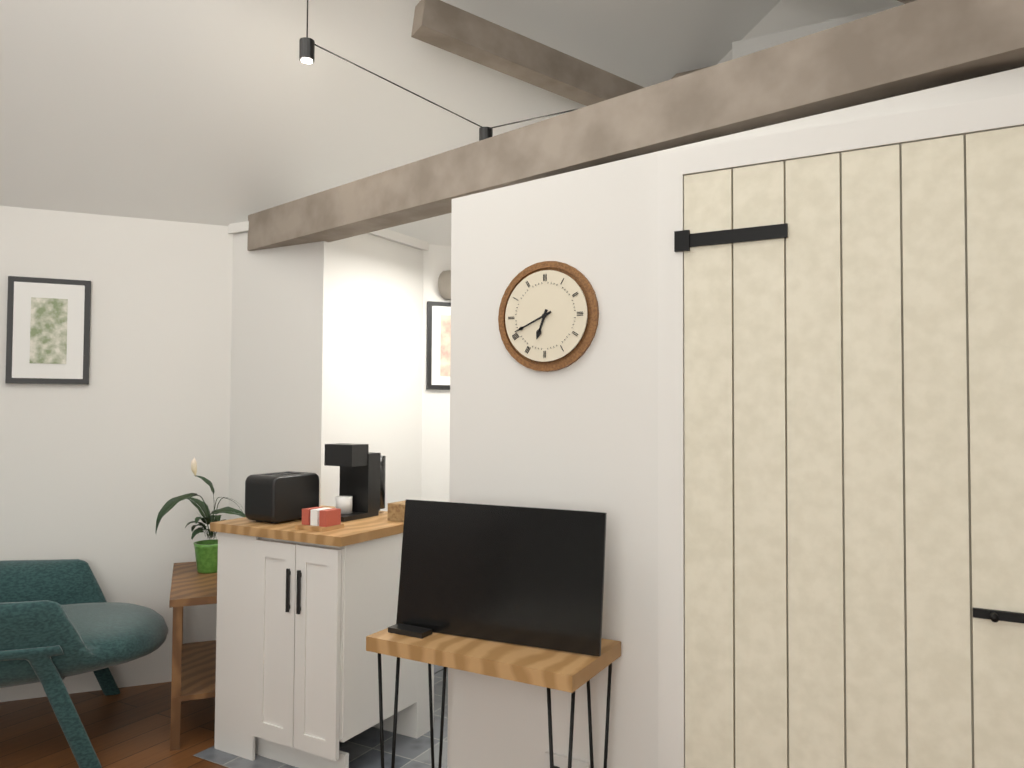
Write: 6:41
